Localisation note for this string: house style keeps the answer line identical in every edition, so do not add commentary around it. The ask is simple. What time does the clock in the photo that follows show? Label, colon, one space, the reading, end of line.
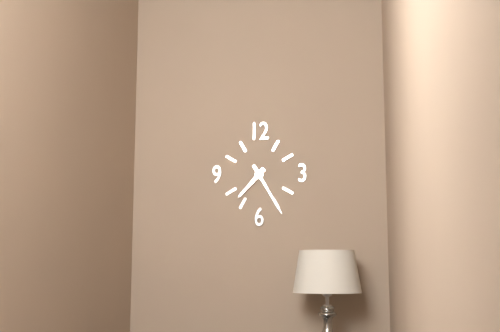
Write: 7:25
